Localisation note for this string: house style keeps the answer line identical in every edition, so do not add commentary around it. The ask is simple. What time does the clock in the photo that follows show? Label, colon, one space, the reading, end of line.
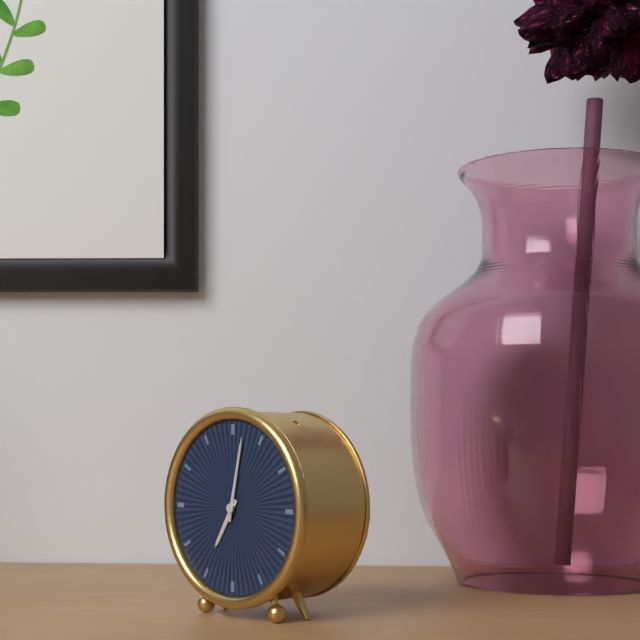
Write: 7:02
